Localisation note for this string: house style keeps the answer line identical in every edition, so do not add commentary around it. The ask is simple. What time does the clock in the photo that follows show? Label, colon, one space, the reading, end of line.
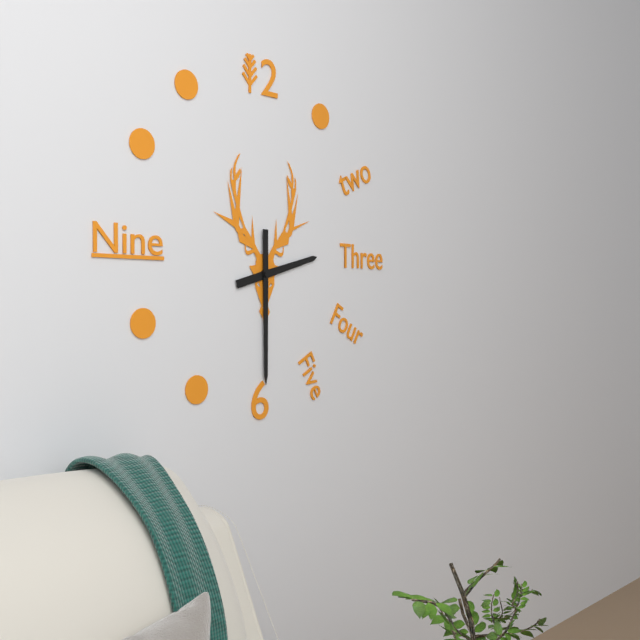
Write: 2:30
